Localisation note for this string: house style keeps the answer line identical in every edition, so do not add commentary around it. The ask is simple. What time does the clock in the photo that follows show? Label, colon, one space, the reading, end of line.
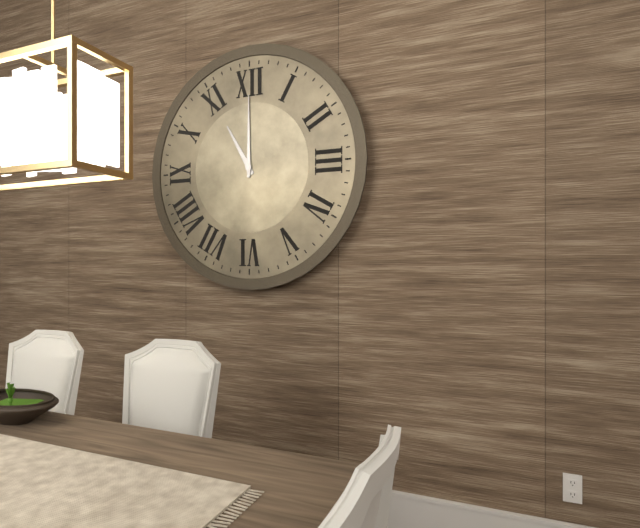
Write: 11:00
